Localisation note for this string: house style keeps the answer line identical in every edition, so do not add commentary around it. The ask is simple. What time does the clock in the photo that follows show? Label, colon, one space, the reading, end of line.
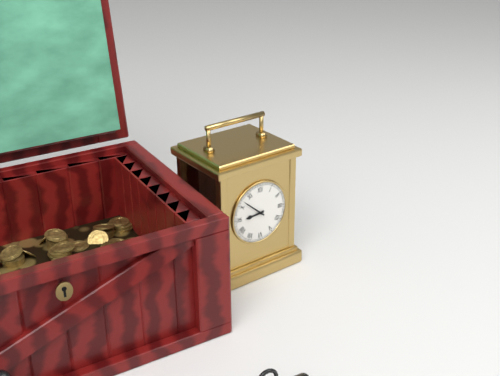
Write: 8:52
